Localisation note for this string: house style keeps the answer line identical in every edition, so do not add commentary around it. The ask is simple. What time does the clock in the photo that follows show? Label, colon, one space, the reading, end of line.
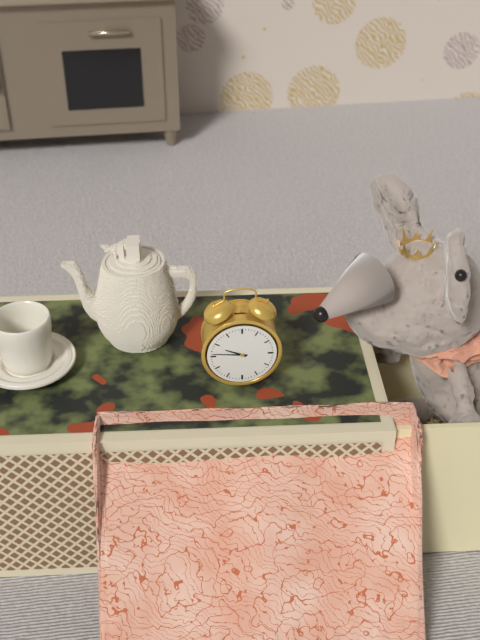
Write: 9:46
